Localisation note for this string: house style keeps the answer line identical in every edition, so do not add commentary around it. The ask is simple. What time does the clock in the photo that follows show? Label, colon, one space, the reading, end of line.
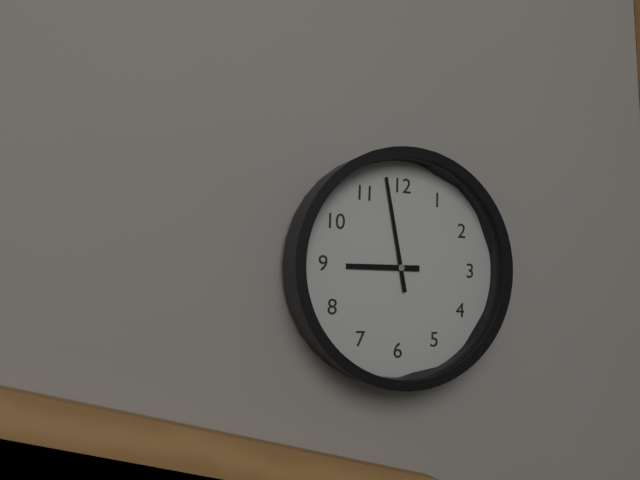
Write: 8:58
